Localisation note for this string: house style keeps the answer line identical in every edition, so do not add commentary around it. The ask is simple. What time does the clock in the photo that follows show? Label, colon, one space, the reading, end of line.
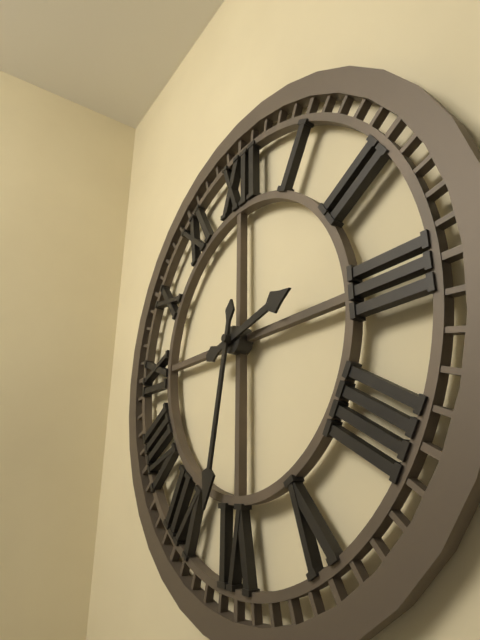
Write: 2:32
